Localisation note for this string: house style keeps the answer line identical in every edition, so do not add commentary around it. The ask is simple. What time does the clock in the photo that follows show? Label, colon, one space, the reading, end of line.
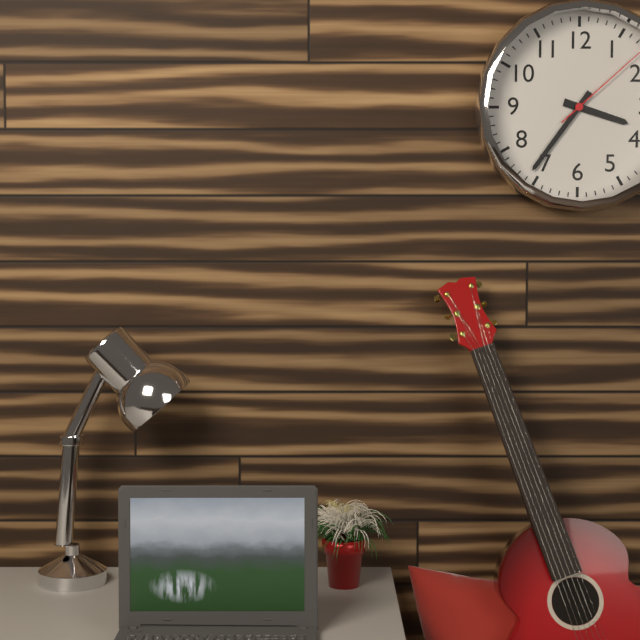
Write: 3:36
